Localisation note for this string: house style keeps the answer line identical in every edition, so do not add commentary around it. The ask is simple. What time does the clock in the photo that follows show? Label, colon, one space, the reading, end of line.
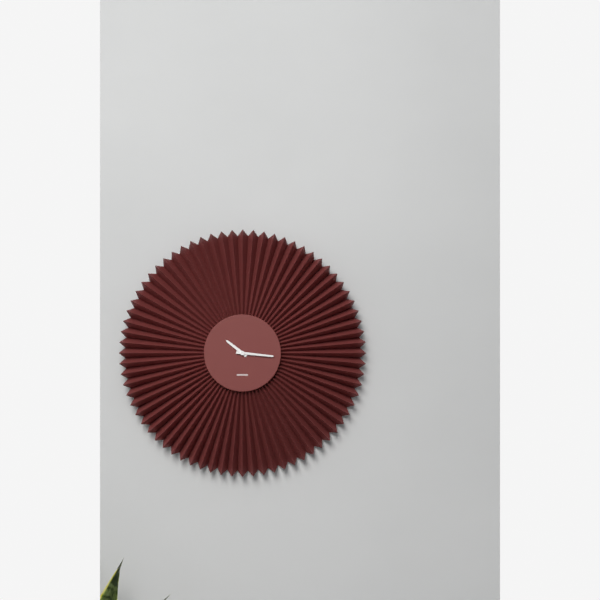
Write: 10:16
